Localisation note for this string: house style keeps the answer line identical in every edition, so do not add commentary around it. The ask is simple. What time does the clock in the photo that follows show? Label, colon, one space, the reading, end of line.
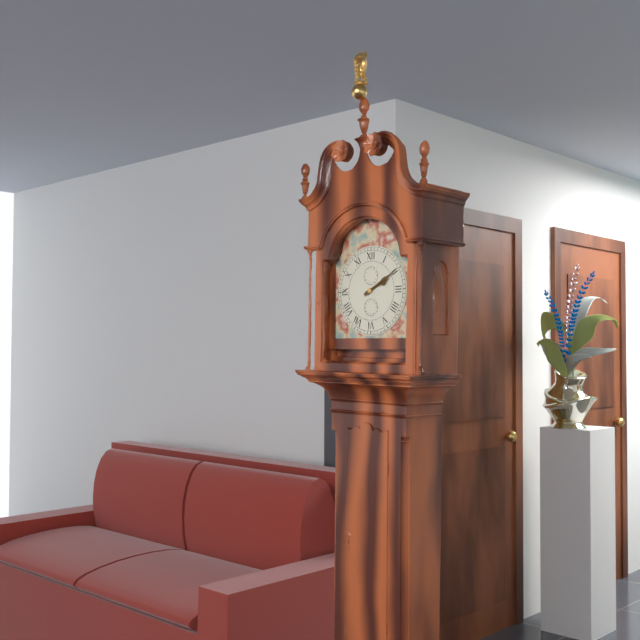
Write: 2:10
